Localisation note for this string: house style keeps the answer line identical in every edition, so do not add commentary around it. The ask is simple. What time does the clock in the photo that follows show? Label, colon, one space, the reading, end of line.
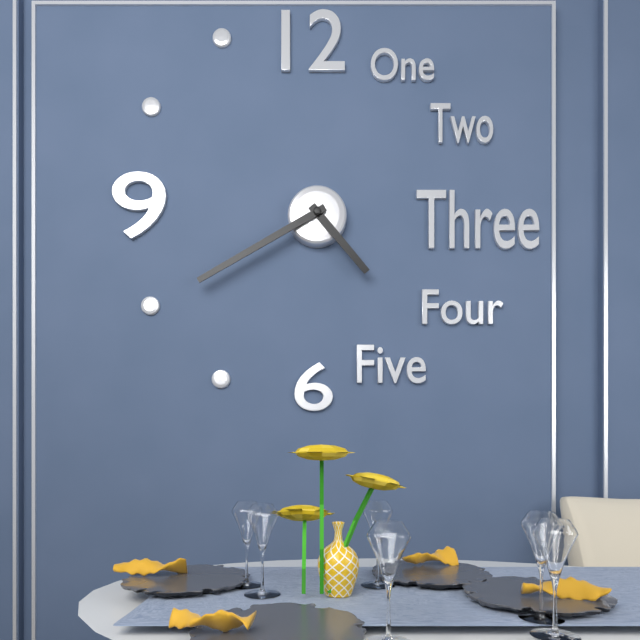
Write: 4:40
